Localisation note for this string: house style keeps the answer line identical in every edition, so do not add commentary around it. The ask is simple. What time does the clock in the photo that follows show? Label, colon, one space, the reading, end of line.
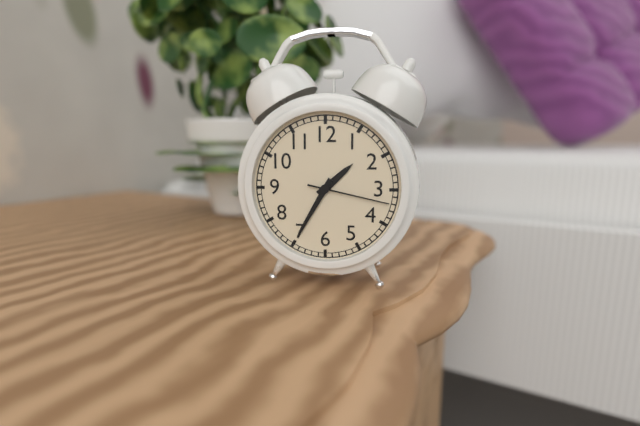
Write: 1:35:17
